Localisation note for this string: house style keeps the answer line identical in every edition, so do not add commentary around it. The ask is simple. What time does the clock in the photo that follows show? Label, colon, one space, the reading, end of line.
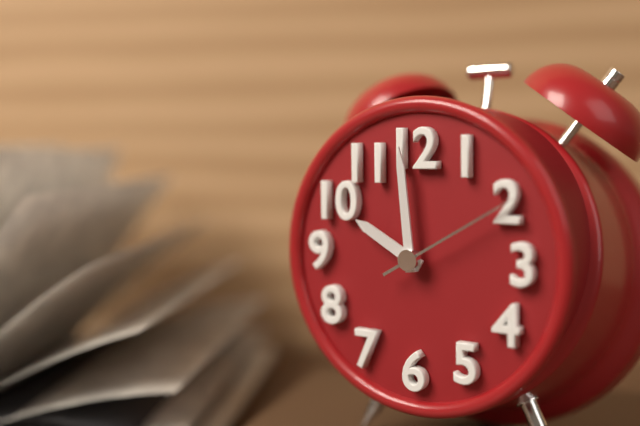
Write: 9:59:10
